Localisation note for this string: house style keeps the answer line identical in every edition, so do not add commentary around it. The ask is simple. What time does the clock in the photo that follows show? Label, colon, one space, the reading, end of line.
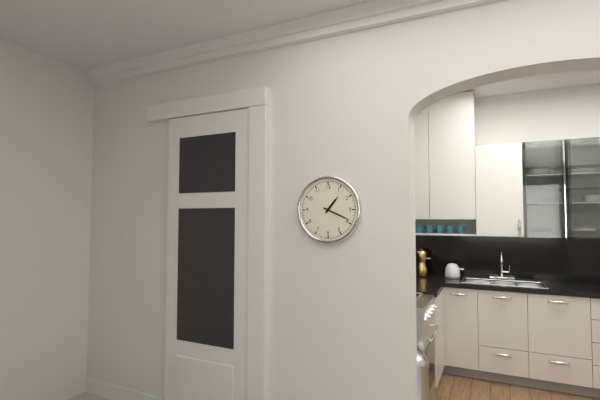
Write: 1:19
